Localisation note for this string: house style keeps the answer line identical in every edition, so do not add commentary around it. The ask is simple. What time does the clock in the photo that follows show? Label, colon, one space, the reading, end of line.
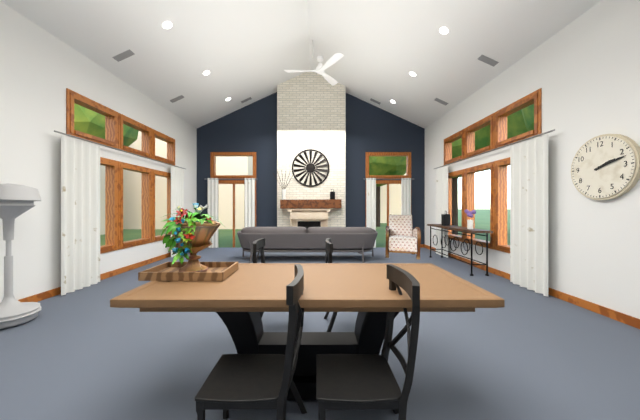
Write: 2:12
